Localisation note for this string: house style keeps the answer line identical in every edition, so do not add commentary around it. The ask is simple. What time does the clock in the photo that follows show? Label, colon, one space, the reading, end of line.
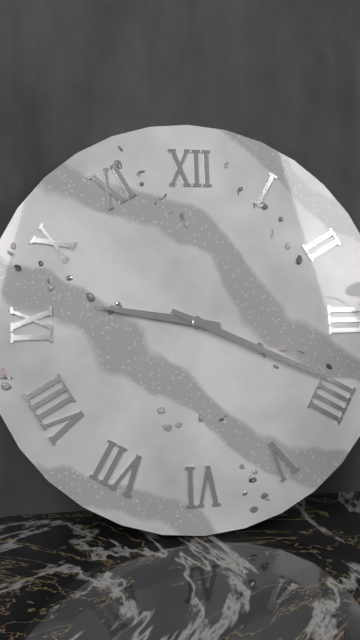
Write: 9:19
